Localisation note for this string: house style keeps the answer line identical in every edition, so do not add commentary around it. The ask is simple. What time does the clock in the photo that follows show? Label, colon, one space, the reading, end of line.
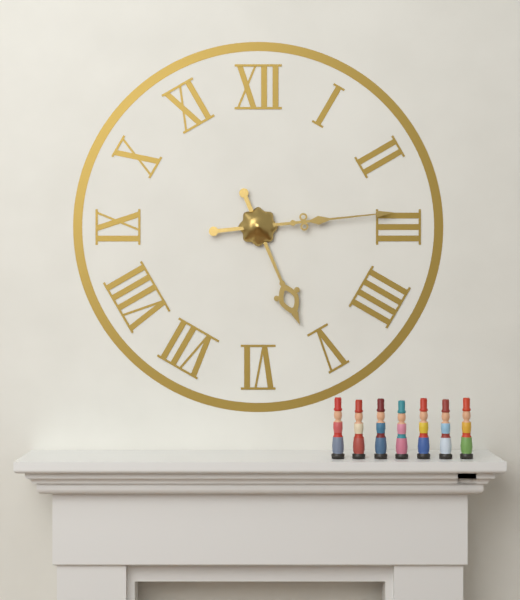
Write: 5:14
